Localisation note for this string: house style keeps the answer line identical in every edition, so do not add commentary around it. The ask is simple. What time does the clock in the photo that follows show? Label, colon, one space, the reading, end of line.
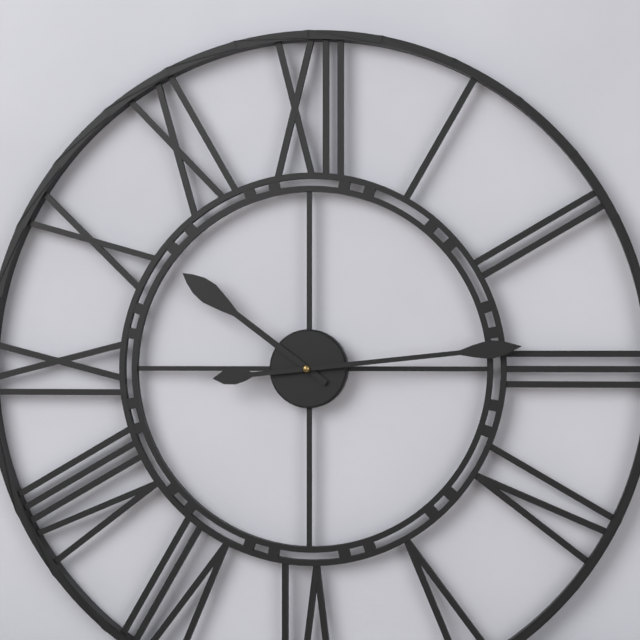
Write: 10:14
